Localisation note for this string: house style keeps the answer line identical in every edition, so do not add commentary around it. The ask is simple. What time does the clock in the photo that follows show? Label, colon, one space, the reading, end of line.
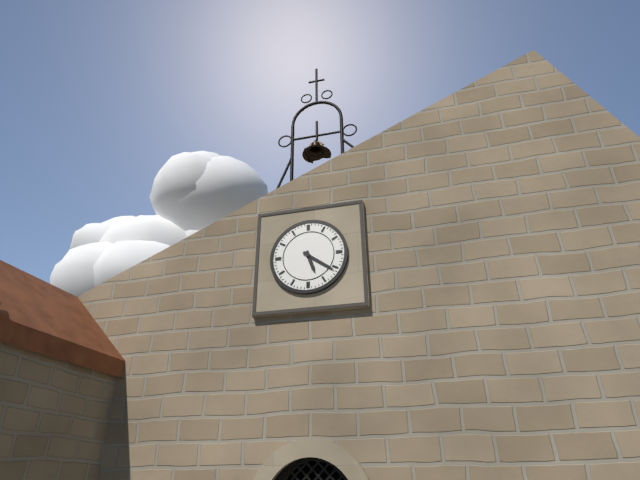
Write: 5:21
